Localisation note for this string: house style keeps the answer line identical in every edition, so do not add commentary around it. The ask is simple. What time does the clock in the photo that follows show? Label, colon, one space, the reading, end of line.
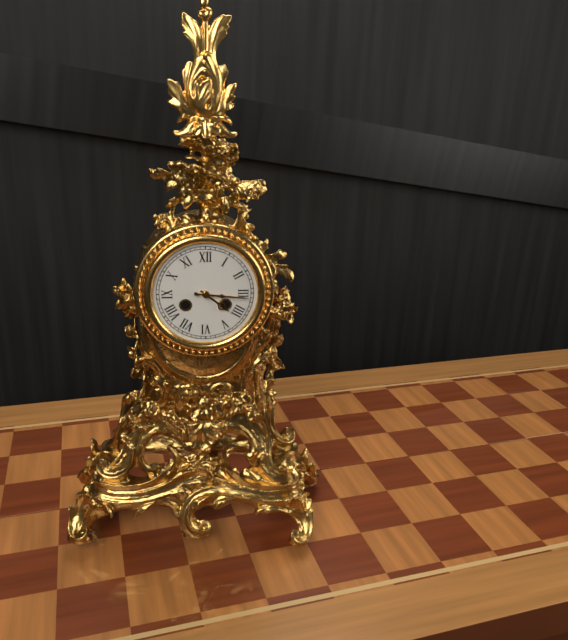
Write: 4:16
